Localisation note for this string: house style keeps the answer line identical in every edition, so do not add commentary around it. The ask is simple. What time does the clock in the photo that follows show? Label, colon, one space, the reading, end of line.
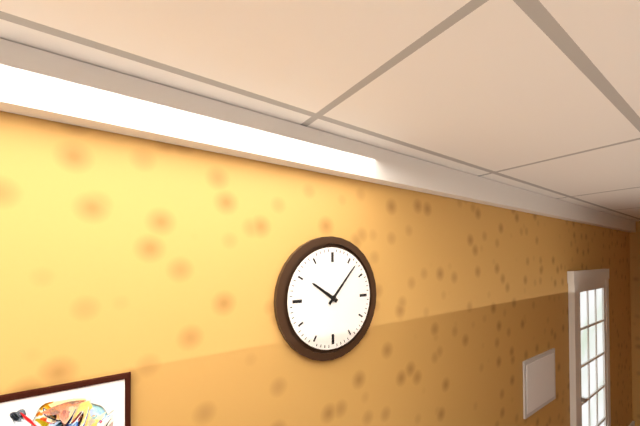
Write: 10:07
